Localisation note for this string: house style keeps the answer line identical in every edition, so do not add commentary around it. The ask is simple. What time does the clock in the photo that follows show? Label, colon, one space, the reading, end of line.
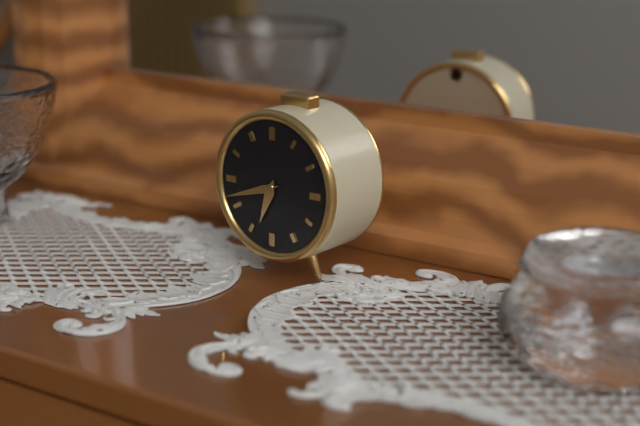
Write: 6:42
